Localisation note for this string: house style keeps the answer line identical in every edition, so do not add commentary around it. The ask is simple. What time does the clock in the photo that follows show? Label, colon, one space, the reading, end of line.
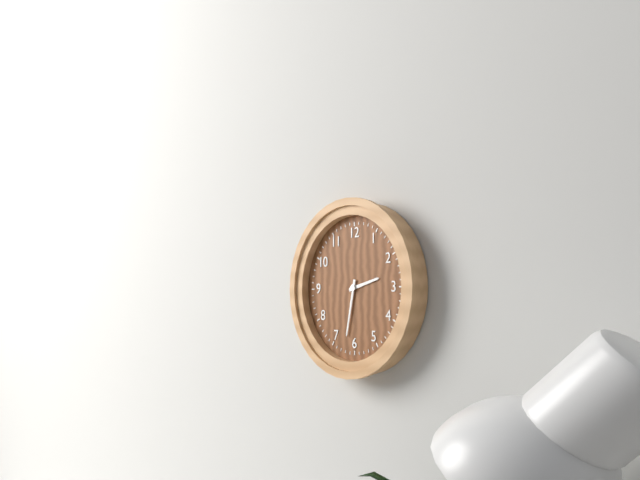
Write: 2:32
